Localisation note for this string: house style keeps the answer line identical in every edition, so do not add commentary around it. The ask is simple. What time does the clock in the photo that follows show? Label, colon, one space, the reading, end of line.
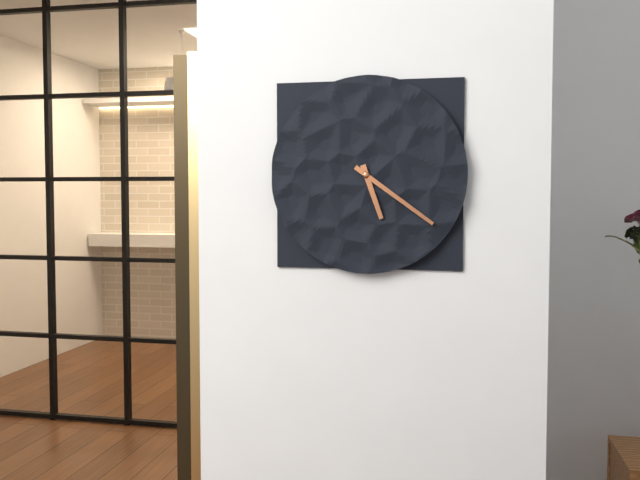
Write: 5:21
